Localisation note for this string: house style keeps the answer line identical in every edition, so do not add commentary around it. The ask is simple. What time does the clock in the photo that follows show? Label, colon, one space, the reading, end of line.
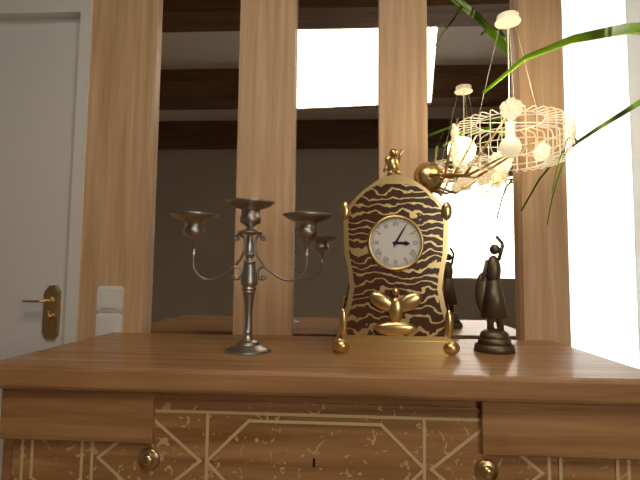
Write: 3:05
